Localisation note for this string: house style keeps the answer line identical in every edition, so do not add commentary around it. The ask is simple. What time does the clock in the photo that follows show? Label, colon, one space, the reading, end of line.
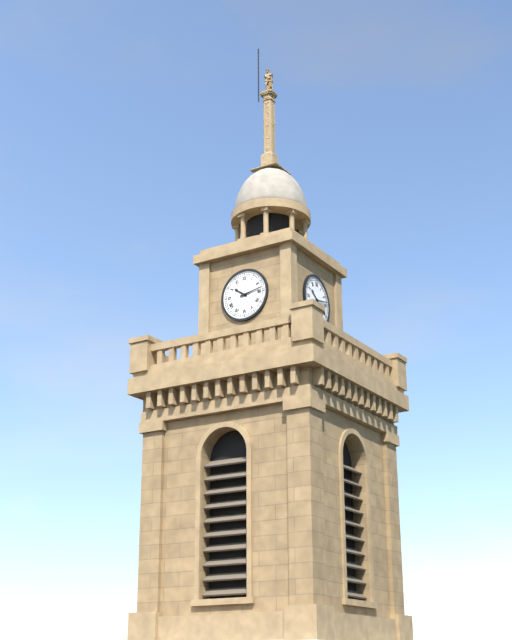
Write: 10:13
